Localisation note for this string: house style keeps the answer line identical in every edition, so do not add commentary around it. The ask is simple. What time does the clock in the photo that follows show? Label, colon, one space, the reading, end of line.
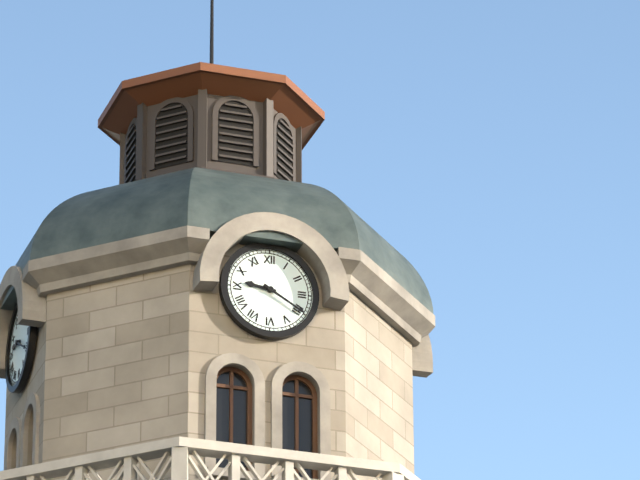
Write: 9:20
